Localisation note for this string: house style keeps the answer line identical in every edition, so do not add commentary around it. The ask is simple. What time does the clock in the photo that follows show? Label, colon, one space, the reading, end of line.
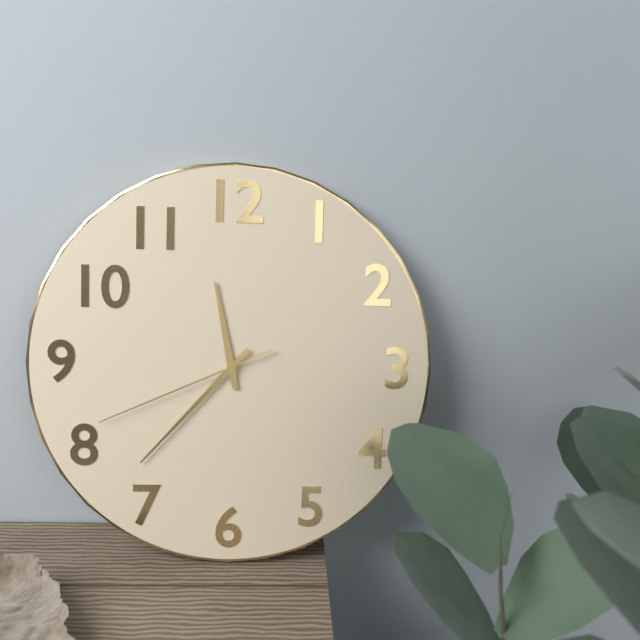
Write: 11:37:41
